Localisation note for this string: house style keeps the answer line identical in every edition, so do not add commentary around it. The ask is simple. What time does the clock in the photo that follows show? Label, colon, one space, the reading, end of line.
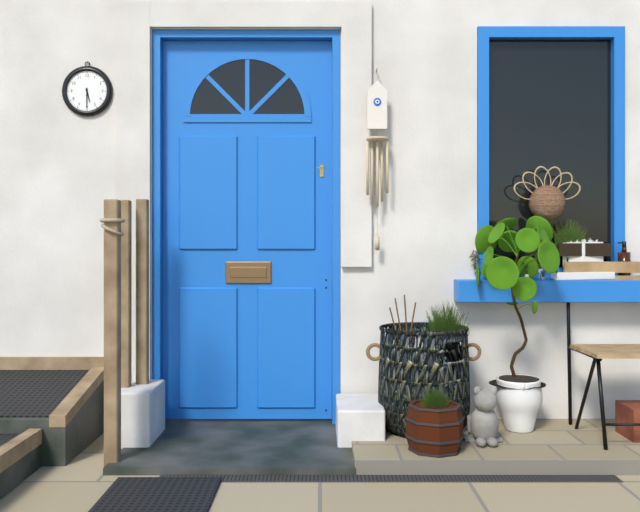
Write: 5:30
